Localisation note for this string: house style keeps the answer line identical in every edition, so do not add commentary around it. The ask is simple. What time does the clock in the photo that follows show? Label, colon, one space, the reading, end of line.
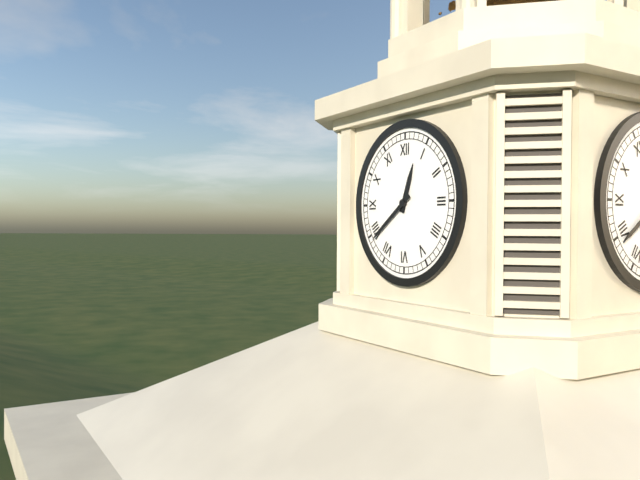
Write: 12:39
